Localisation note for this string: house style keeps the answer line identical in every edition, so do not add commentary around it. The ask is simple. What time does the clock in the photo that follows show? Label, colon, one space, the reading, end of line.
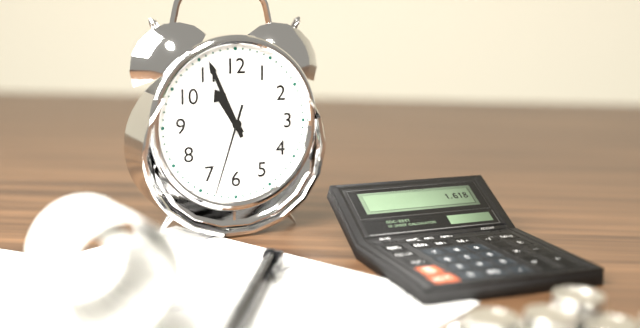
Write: 10:56:33
